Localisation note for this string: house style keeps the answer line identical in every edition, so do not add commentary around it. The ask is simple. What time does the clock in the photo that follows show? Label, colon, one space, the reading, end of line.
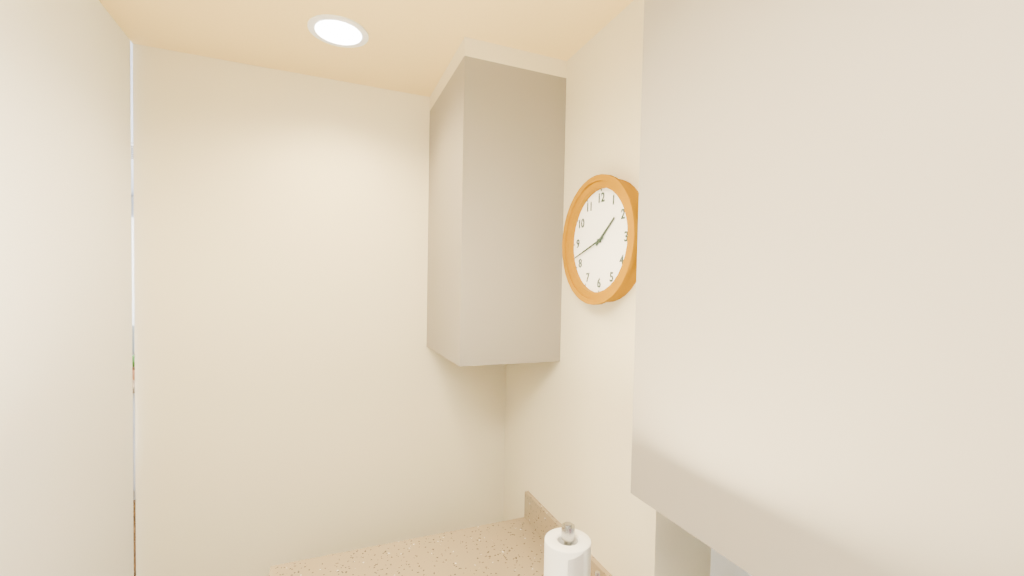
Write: 1:42
